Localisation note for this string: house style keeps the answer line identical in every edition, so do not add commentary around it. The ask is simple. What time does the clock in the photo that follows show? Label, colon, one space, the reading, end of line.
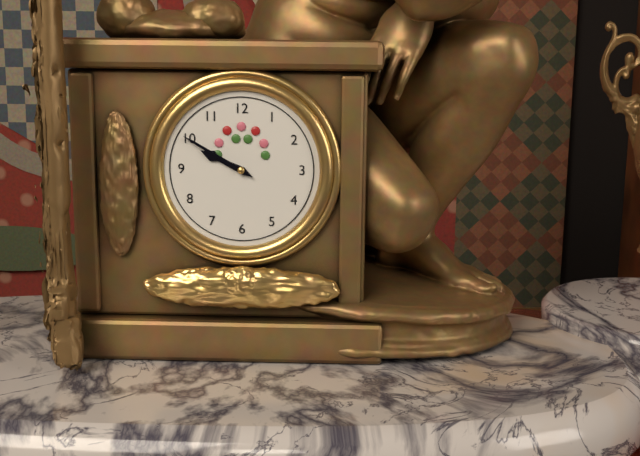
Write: 9:50
